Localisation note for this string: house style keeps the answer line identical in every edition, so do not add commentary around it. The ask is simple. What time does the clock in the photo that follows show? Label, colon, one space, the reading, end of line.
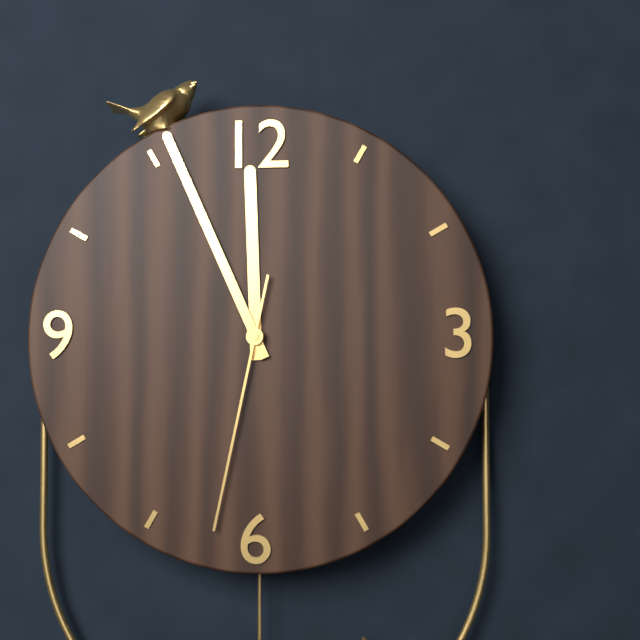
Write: 11:56:32
